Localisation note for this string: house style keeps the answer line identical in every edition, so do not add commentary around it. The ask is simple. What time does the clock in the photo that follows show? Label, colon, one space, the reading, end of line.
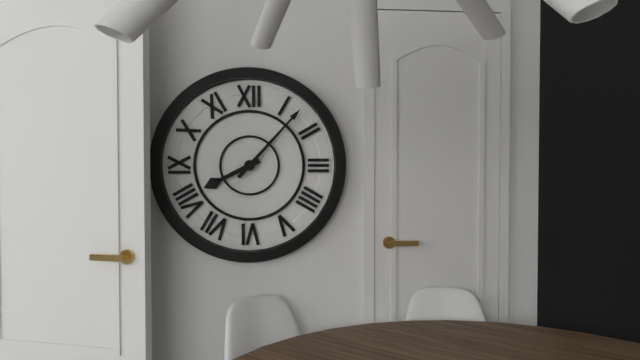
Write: 8:07
